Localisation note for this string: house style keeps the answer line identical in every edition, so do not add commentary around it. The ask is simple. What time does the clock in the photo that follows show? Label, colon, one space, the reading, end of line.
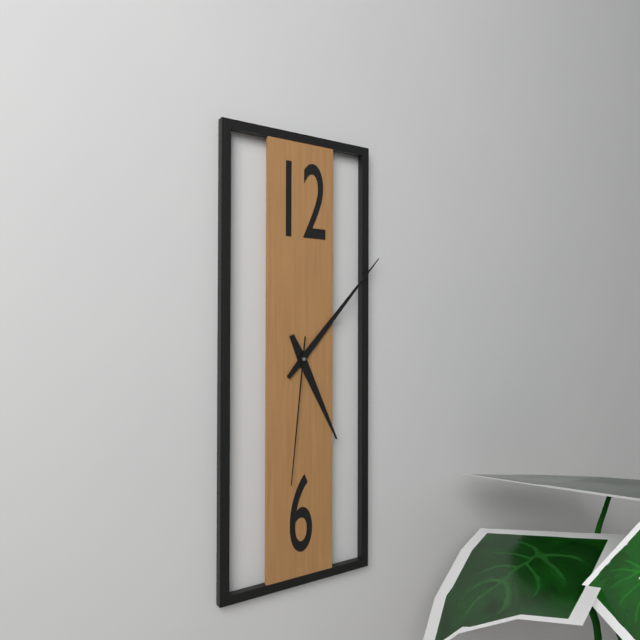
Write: 5:07:31
